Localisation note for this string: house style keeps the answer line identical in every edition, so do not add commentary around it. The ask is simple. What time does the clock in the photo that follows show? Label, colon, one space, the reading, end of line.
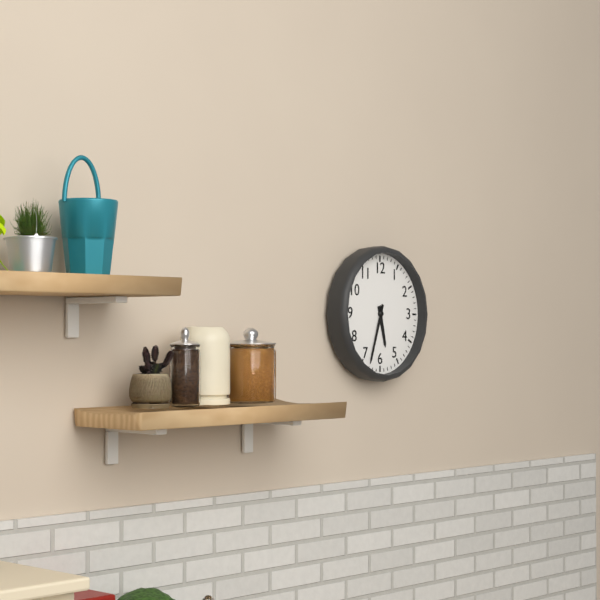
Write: 5:33
